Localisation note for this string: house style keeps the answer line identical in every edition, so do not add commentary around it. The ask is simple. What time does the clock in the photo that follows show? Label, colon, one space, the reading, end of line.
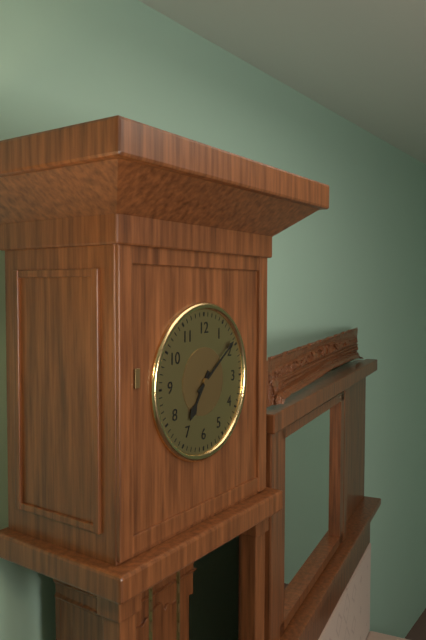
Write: 7:09
